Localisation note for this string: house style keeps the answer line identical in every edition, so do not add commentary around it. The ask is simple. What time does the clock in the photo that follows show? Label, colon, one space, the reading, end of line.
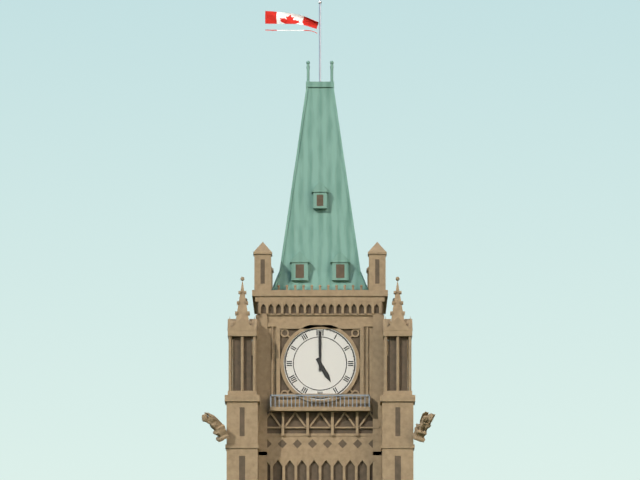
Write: 5:00
